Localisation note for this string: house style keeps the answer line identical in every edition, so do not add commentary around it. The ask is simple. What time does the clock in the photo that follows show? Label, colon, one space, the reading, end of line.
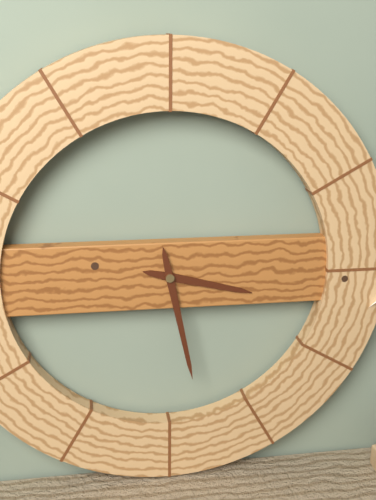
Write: 3:28
